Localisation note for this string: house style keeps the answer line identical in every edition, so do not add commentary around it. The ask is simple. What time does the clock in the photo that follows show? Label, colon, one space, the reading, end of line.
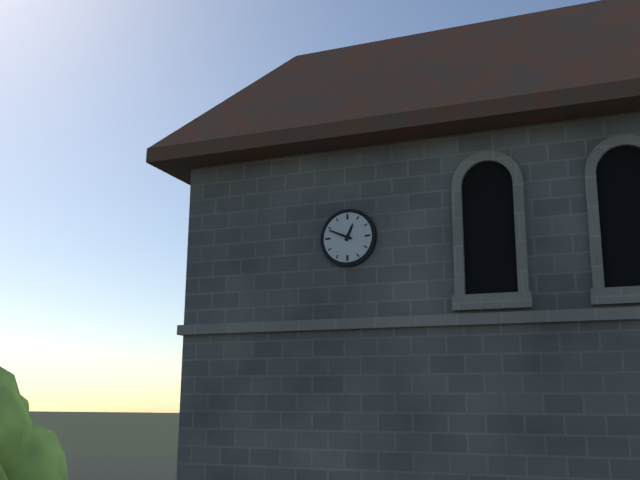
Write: 12:49
